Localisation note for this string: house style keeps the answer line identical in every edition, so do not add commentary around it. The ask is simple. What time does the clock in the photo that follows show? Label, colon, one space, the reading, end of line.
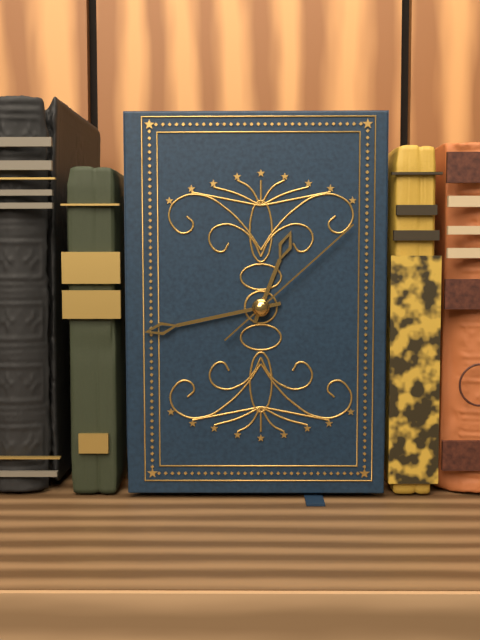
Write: 12:43:08
